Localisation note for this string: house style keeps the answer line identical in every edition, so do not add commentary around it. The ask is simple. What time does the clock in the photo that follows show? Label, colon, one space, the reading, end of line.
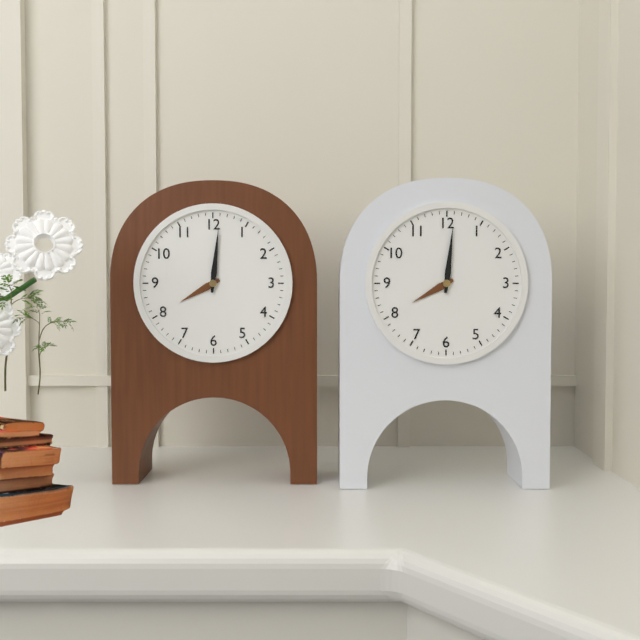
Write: 8:01
